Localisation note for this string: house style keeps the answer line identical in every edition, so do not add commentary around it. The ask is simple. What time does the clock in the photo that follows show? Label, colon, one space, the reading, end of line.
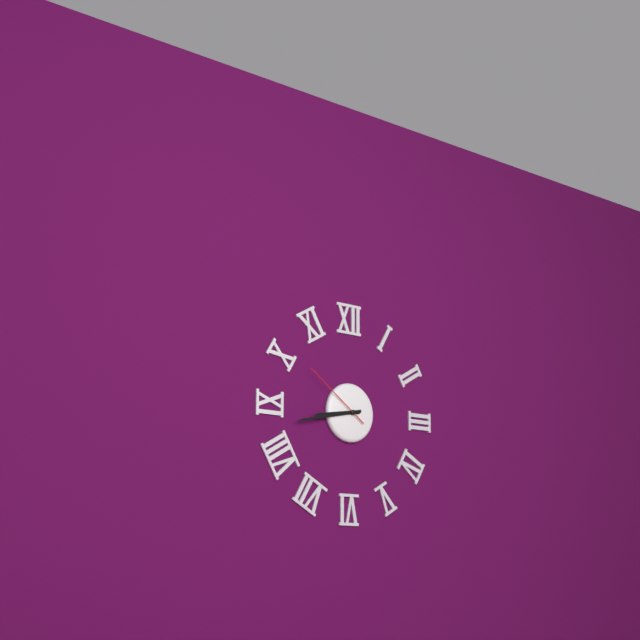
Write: 8:43:51
